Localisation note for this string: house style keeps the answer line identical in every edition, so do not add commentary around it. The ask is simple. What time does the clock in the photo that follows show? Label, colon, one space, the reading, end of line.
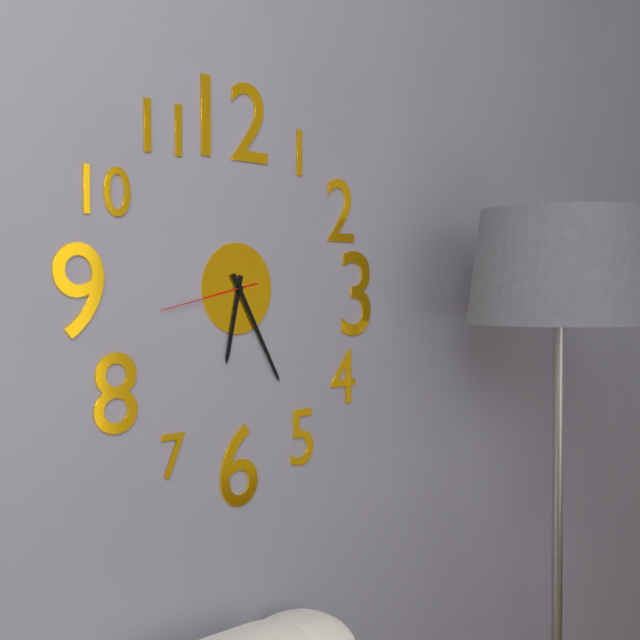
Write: 6:25:43
